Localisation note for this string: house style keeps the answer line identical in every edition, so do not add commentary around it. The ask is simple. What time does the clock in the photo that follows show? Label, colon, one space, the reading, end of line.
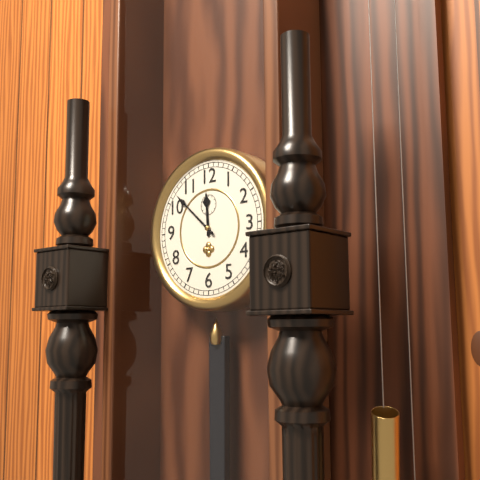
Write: 11:52
